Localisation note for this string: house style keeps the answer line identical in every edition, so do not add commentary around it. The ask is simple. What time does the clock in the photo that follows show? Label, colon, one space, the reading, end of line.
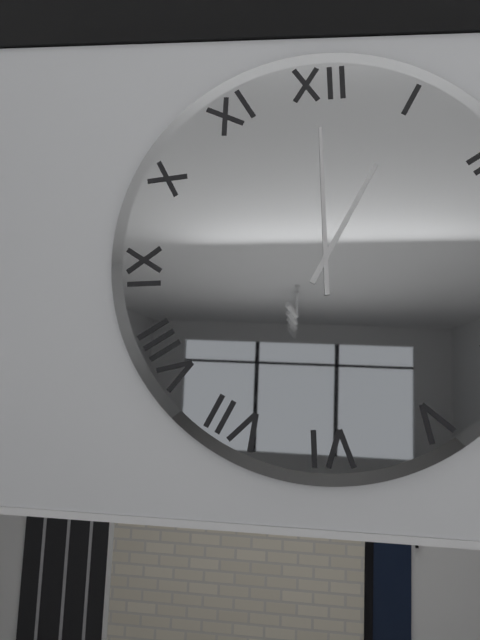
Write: 1:00
